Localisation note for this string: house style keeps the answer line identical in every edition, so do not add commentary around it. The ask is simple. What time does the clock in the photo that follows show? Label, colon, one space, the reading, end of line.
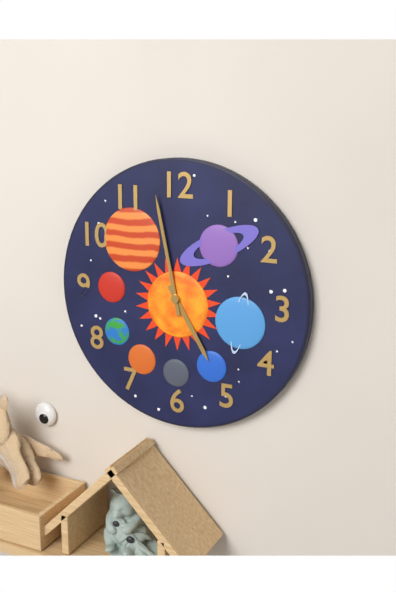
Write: 4:58
